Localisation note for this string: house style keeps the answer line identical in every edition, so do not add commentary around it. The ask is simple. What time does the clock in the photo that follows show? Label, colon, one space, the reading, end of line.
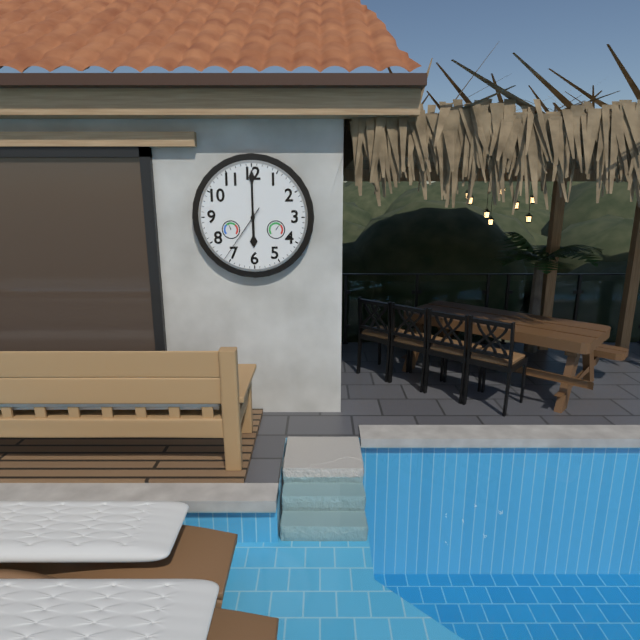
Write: 6:00:36
